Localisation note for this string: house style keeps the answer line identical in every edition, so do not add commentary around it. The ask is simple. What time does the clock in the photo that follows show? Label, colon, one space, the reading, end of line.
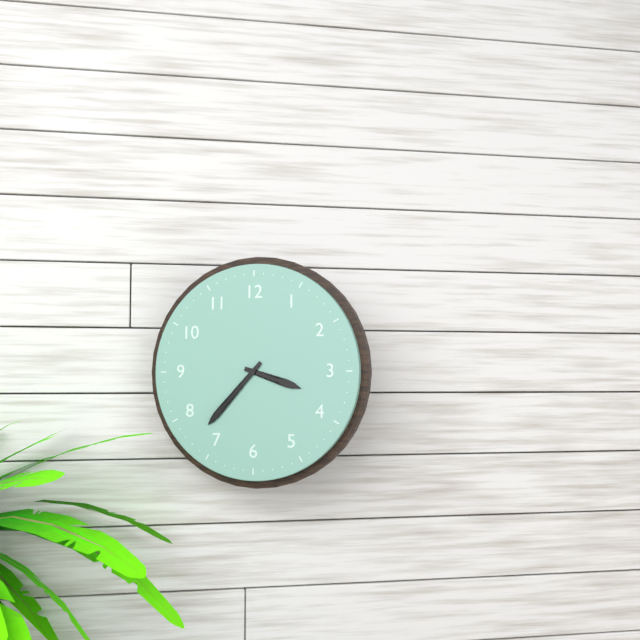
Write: 3:37
